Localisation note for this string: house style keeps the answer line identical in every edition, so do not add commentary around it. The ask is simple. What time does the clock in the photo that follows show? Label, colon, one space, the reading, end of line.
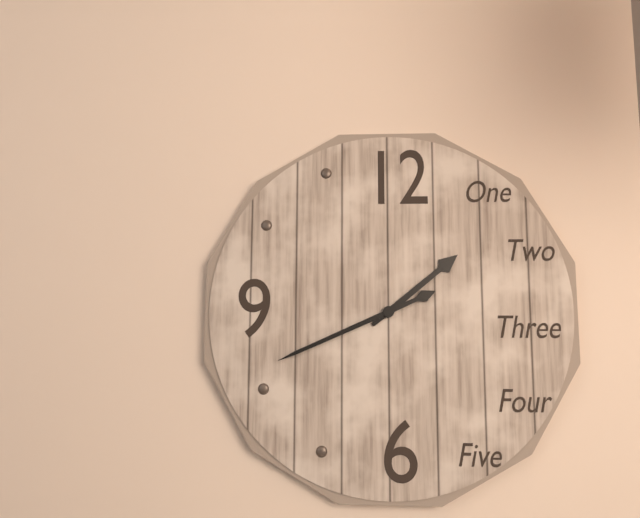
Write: 1:41
